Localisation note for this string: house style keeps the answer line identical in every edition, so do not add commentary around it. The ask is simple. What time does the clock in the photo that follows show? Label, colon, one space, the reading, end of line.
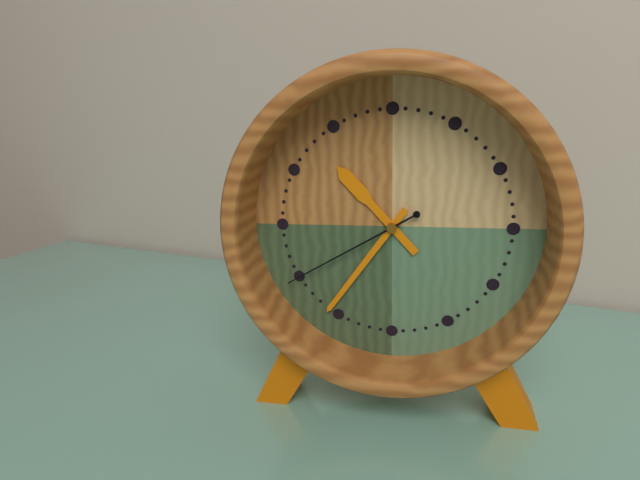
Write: 10:36:40
